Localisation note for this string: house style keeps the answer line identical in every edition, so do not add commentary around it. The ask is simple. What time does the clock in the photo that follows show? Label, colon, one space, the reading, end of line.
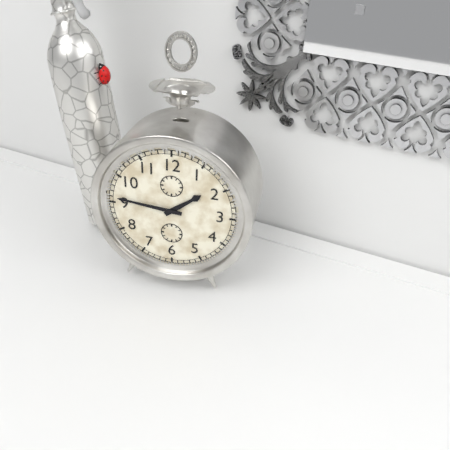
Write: 1:46
